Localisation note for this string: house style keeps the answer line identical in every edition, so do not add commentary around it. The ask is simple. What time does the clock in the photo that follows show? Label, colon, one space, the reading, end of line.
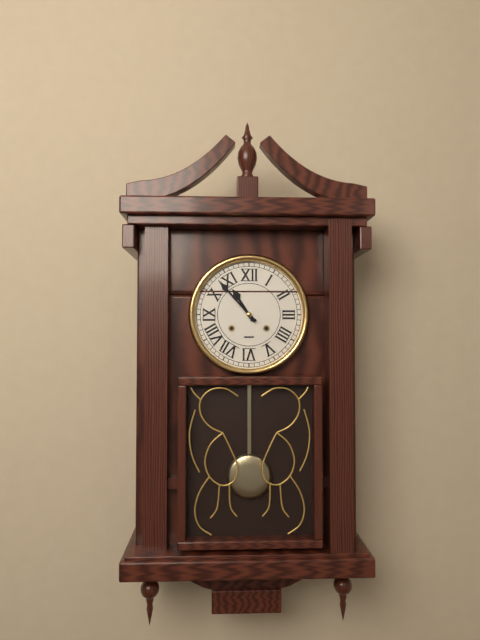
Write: 10:53
